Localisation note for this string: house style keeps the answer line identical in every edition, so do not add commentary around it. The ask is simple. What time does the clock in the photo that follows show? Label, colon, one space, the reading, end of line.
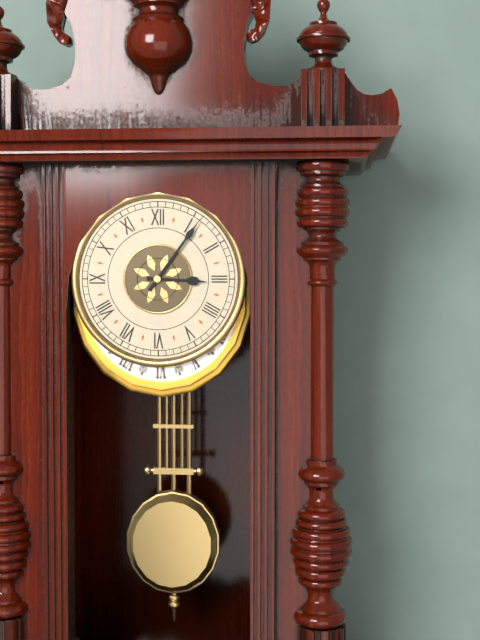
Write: 3:06
